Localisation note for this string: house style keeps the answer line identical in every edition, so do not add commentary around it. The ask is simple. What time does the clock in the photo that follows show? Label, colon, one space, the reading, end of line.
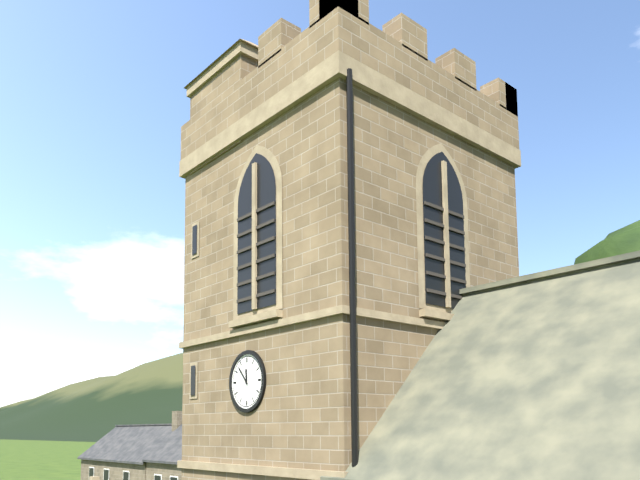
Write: 11:53
